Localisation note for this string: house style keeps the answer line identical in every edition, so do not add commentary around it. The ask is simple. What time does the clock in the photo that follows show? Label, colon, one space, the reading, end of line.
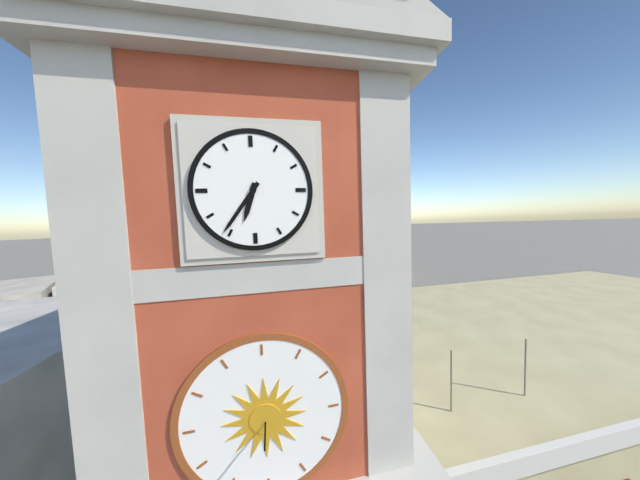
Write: 6:36
